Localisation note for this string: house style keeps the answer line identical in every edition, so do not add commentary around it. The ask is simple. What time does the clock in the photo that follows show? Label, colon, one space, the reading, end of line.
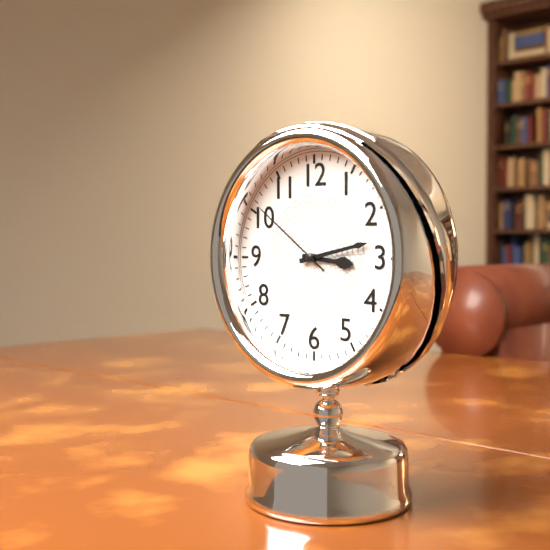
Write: 3:13:51
